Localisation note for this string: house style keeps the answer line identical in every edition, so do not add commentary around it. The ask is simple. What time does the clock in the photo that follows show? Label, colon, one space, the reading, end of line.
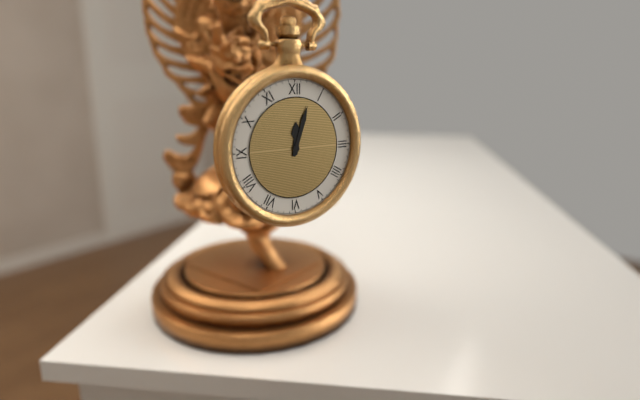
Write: 12:03
